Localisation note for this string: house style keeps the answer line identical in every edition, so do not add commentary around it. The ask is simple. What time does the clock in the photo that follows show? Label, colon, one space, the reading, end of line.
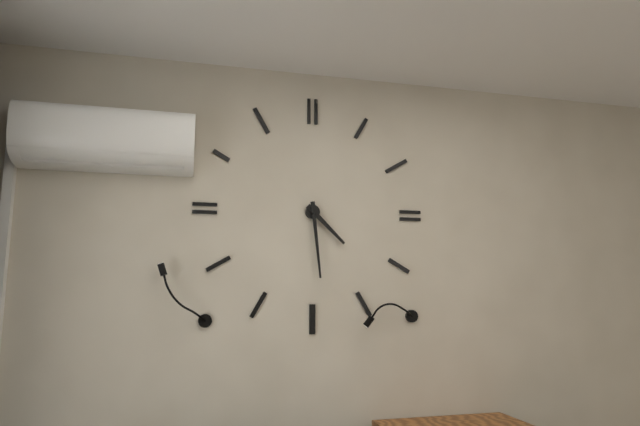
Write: 4:29
